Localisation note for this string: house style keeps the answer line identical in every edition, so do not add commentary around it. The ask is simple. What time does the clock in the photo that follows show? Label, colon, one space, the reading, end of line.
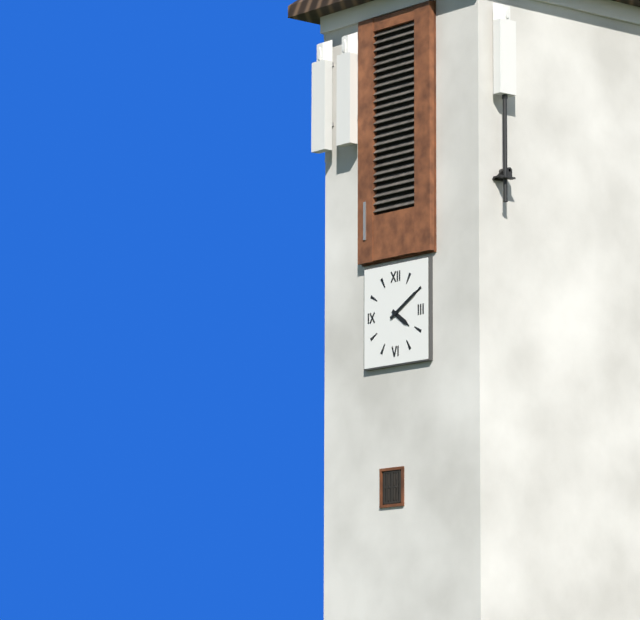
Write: 4:10
